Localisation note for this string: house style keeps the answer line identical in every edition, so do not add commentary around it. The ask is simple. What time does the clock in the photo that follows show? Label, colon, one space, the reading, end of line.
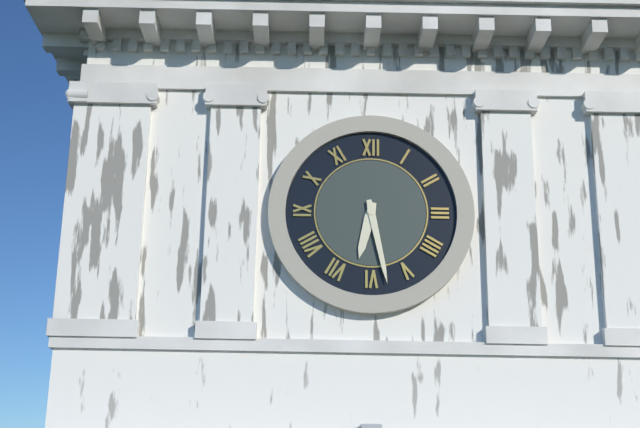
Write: 6:28
